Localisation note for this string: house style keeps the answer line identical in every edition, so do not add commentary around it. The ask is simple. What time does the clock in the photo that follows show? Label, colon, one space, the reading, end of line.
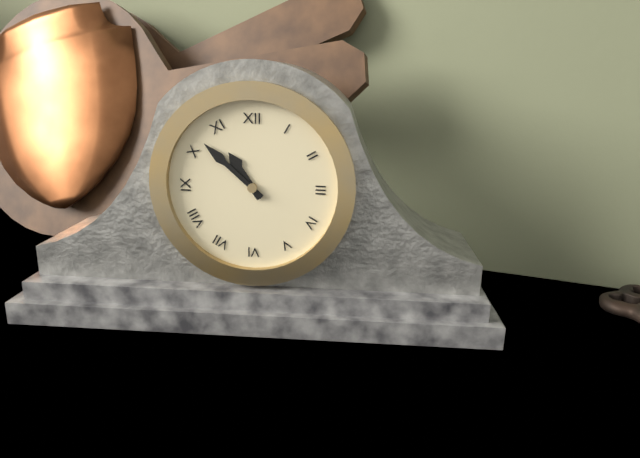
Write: 10:52
